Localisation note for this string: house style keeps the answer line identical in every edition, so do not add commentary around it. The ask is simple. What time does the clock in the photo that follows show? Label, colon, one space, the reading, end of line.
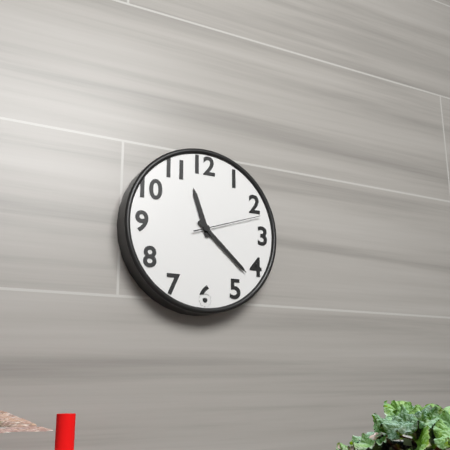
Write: 11:22:12
